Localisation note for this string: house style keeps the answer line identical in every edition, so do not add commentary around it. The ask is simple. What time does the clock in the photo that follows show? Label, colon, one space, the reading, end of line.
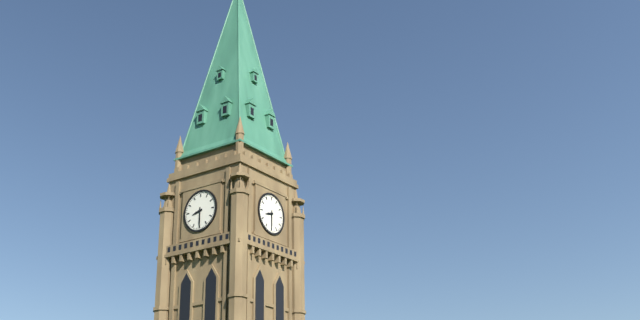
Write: 8:30
